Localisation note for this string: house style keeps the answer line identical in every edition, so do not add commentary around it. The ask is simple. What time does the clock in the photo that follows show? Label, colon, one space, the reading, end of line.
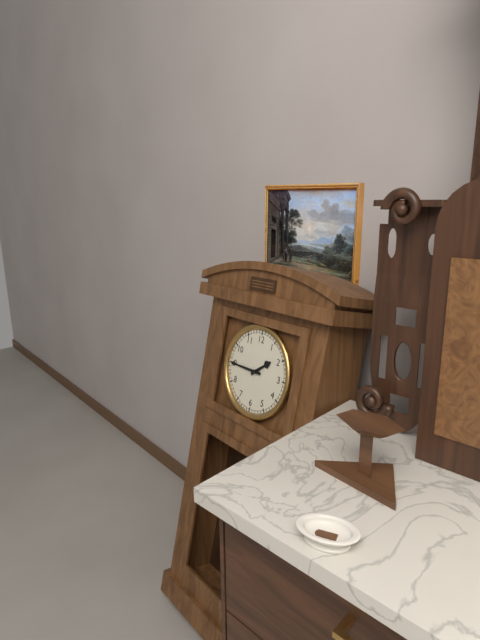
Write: 1:45
